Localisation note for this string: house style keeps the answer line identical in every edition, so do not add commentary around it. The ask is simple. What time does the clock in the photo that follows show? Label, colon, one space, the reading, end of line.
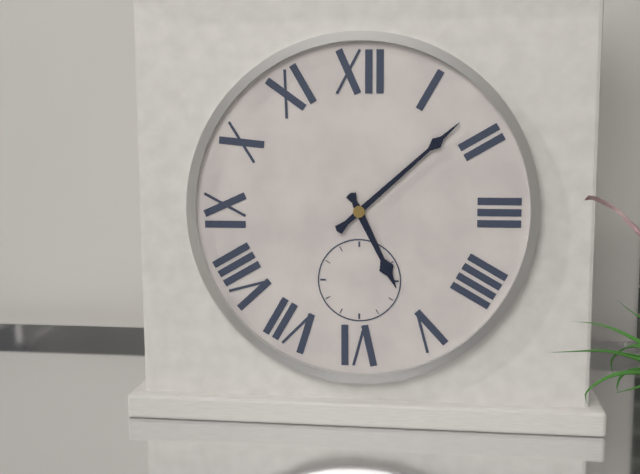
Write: 5:08
